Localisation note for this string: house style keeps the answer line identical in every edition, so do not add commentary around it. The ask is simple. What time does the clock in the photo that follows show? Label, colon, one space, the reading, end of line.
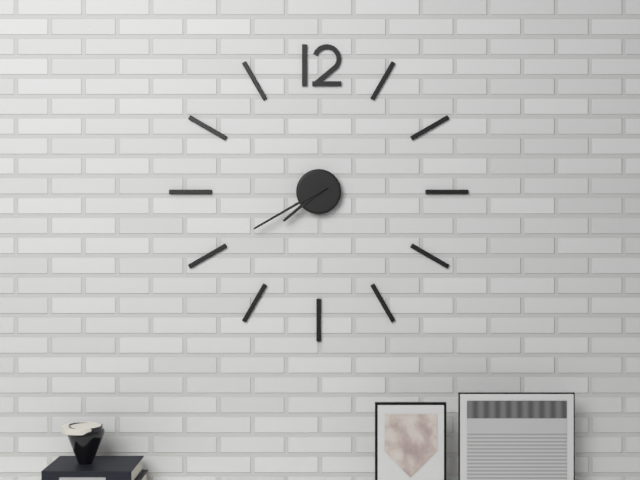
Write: 7:40
